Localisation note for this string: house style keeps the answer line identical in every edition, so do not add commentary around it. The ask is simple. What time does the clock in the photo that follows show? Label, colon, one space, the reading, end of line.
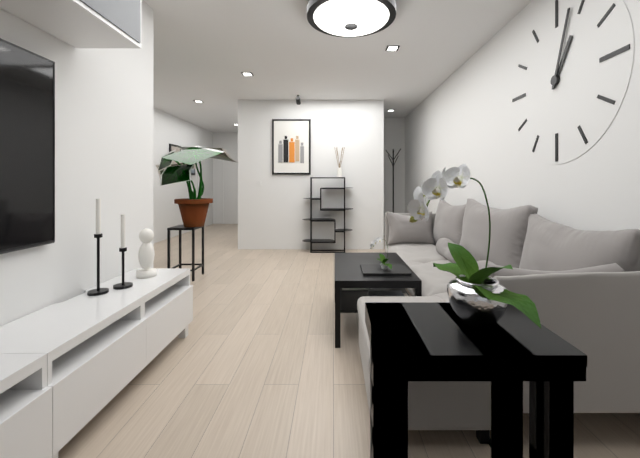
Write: 1:03
